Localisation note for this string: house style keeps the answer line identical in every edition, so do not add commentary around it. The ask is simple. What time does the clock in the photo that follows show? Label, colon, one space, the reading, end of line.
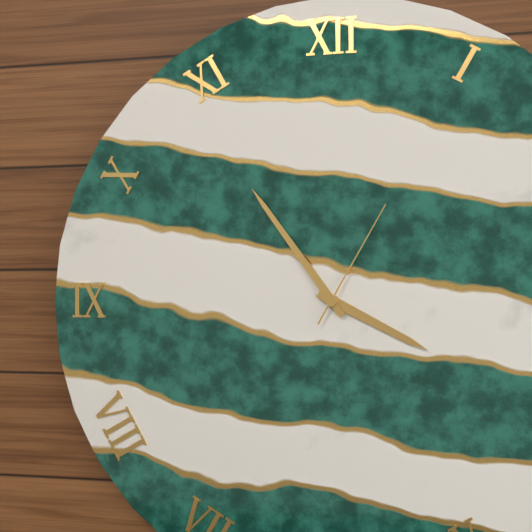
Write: 3:54:05
